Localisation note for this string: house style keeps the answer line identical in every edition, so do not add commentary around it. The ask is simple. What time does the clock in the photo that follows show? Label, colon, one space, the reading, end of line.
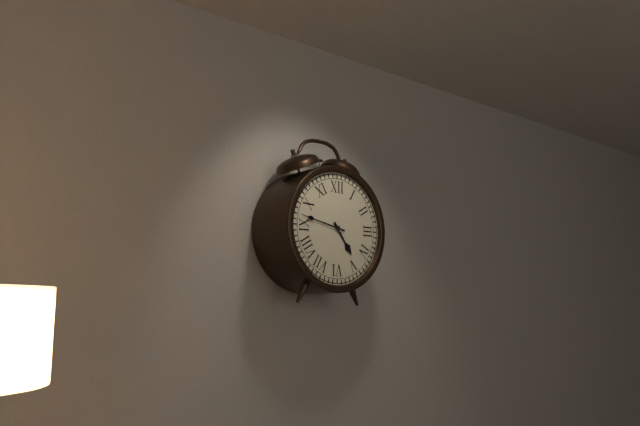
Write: 4:47
